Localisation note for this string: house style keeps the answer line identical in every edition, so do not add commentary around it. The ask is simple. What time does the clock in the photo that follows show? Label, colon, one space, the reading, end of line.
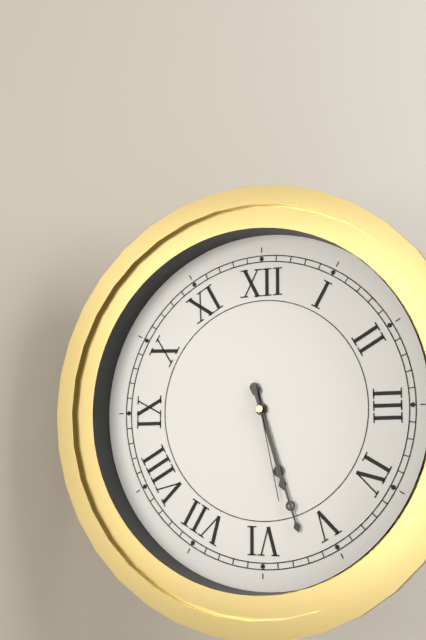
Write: 5:27:28
